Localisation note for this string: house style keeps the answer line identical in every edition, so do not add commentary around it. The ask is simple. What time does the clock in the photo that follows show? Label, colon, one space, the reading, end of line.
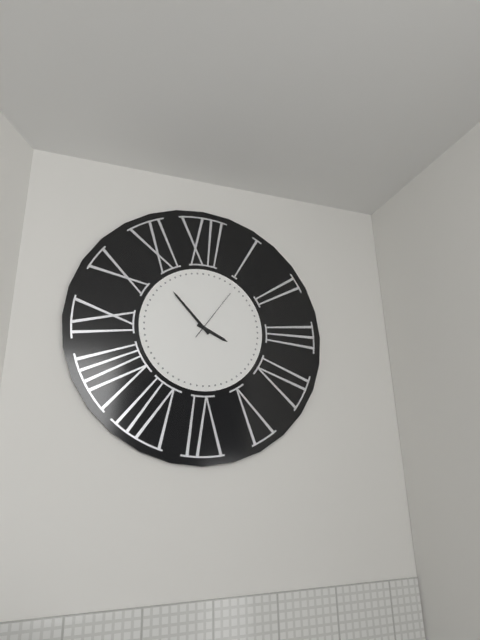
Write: 3:53:06
